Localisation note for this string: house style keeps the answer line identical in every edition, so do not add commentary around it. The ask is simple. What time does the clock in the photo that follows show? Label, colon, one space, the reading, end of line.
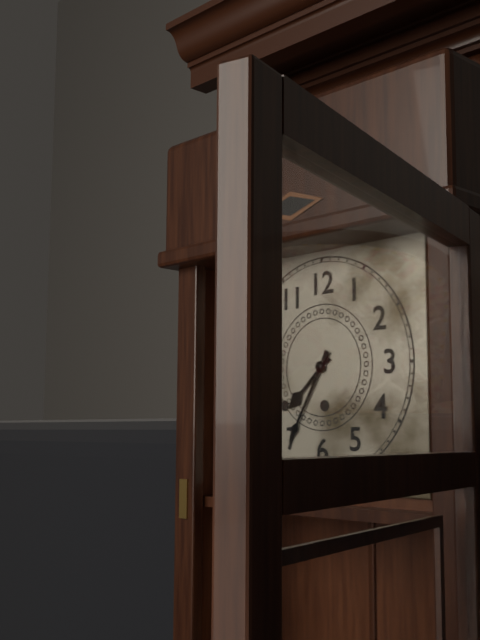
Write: 7:35
